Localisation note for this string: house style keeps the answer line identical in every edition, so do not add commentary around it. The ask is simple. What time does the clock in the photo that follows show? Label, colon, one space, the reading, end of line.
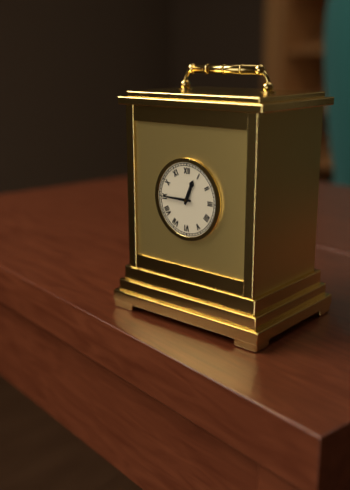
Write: 12:45
